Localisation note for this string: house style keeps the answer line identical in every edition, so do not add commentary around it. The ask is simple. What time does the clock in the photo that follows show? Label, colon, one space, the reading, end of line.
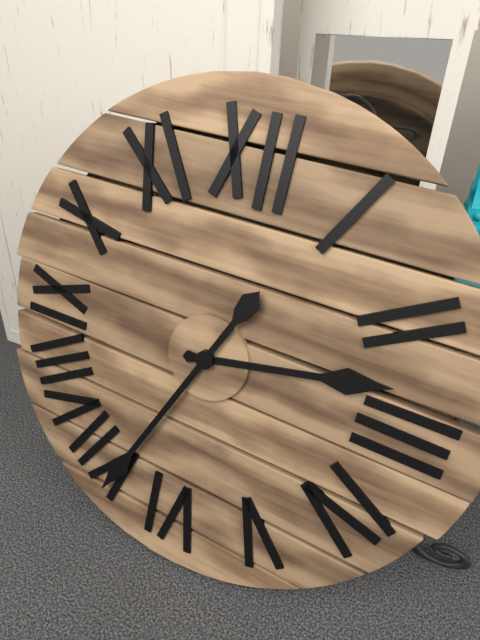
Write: 2:34
